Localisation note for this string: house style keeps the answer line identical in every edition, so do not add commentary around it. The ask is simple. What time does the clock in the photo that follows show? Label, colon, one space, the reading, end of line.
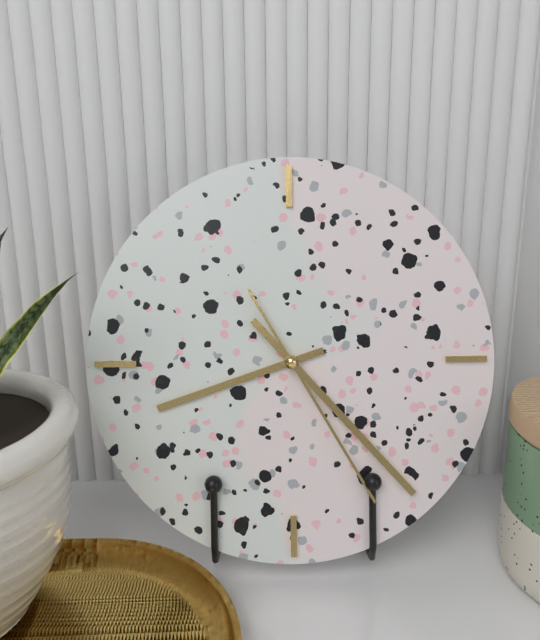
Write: 8:23:25
